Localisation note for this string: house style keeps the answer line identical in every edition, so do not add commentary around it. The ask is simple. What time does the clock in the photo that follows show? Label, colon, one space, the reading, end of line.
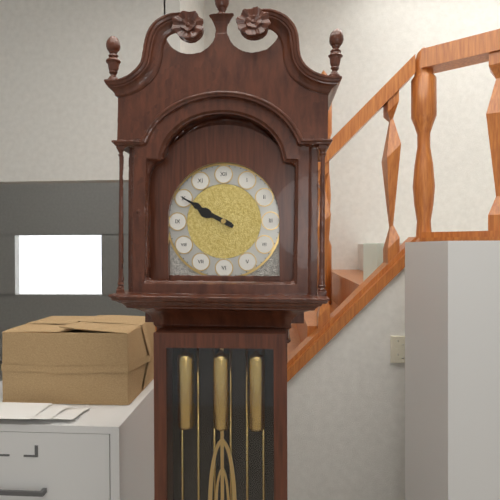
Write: 9:50
